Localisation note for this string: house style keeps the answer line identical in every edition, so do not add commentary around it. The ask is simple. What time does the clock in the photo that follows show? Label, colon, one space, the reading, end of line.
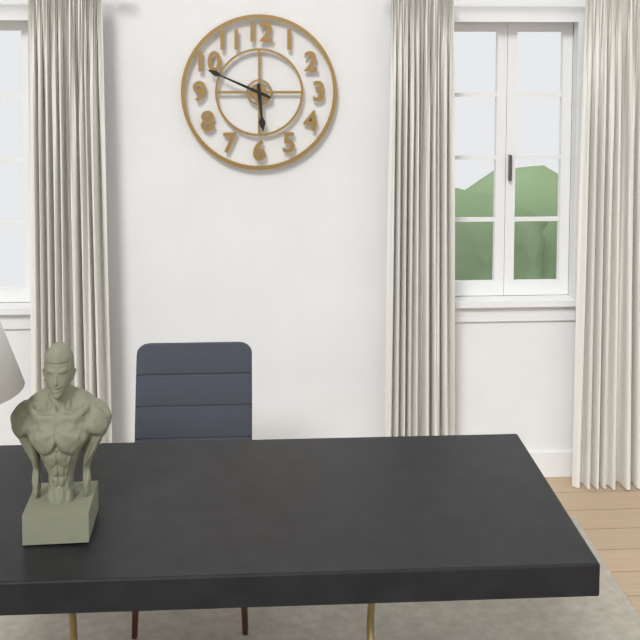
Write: 5:49
